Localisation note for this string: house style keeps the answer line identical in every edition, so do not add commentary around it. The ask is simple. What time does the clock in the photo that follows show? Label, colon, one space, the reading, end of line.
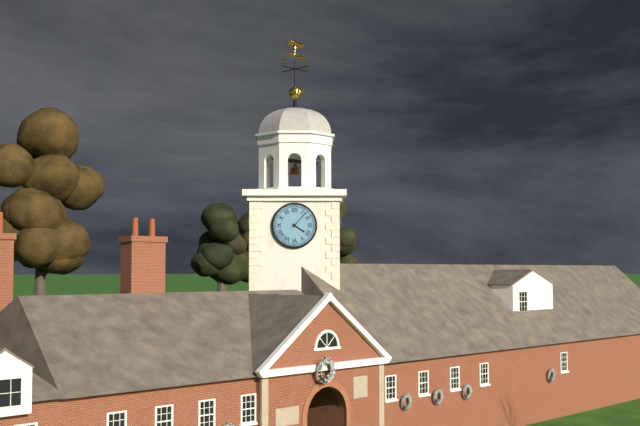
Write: 4:07
